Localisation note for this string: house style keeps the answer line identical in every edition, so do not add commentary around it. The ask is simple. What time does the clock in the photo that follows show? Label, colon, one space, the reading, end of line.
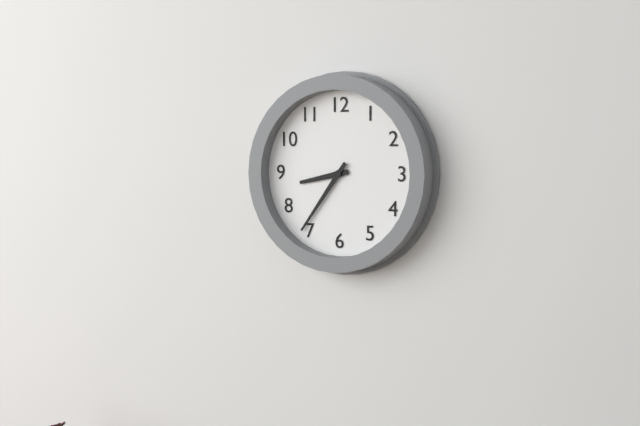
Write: 8:36
